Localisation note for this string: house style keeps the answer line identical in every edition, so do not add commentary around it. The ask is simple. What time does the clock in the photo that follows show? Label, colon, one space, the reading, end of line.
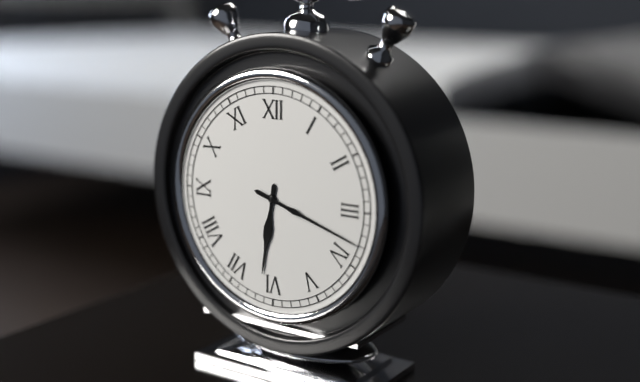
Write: 6:18
